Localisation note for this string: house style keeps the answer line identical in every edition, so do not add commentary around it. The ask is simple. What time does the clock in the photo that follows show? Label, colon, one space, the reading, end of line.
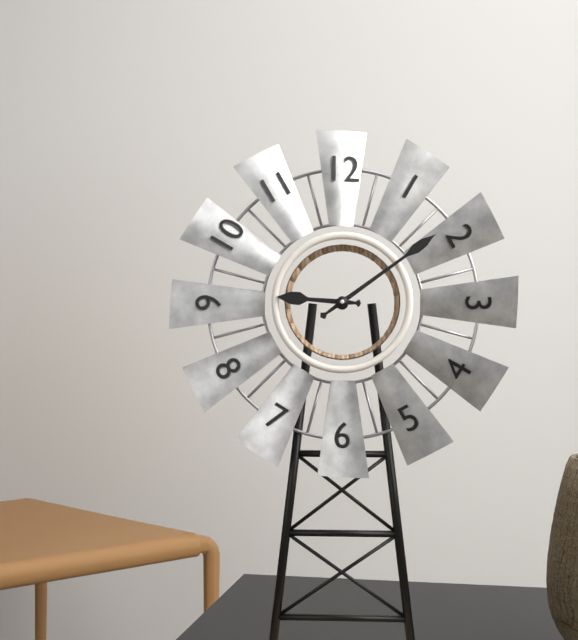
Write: 9:09
